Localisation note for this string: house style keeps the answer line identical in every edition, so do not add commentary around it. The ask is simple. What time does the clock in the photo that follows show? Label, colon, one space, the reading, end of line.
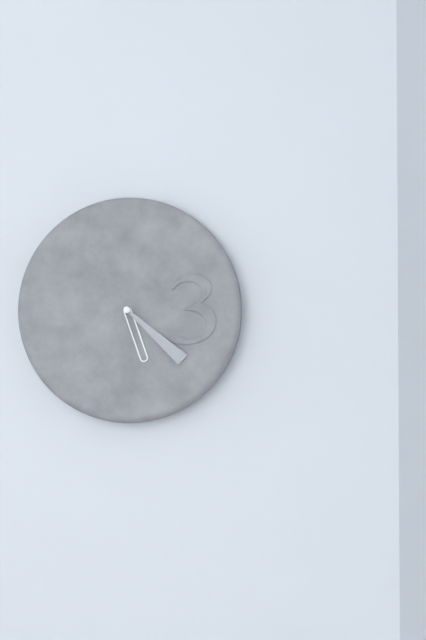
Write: 5:22
